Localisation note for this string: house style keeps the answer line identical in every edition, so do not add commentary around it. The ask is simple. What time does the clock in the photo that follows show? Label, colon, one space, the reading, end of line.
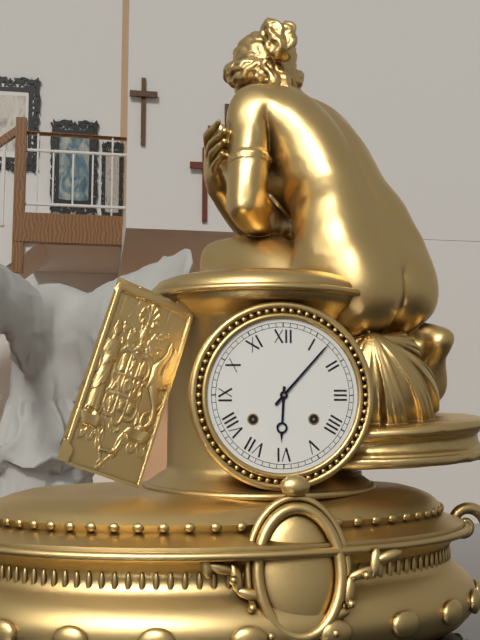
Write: 6:07
